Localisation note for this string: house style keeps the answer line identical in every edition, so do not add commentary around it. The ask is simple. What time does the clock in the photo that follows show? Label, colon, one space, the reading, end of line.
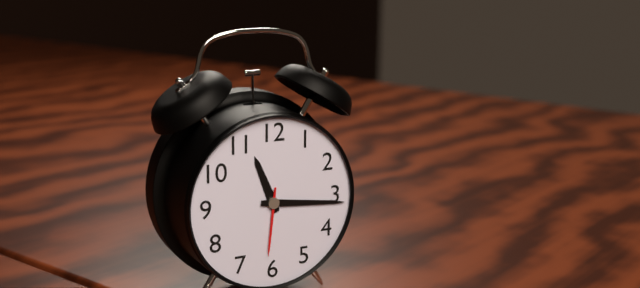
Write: 11:16:31
